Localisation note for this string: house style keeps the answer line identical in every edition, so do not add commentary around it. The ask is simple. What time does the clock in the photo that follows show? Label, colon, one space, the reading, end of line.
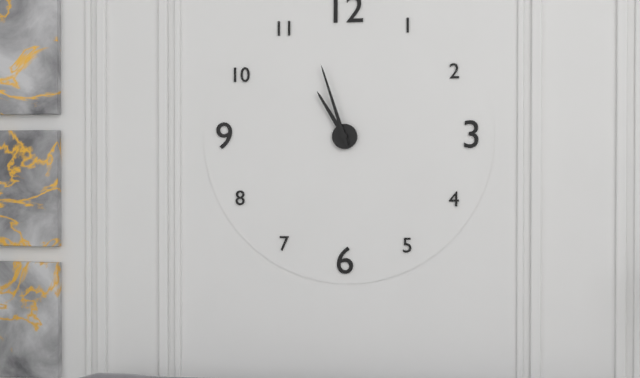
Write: 10:57
